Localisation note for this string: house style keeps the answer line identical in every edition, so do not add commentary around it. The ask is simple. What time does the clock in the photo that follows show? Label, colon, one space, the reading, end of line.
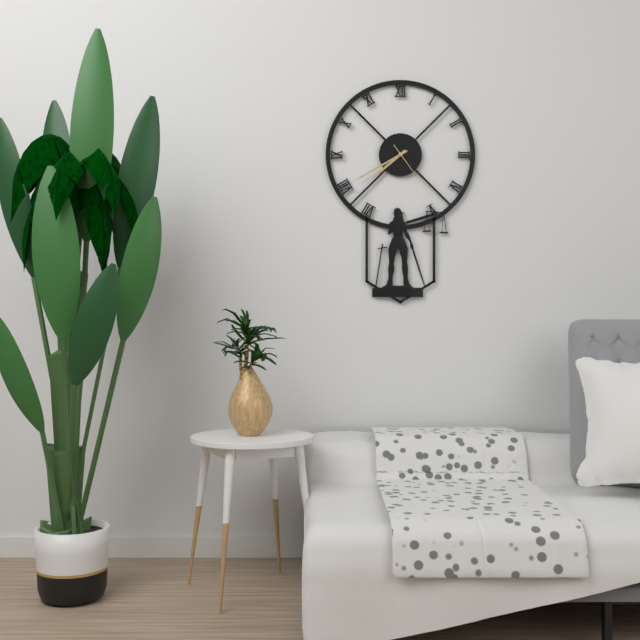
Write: 7:40:24
